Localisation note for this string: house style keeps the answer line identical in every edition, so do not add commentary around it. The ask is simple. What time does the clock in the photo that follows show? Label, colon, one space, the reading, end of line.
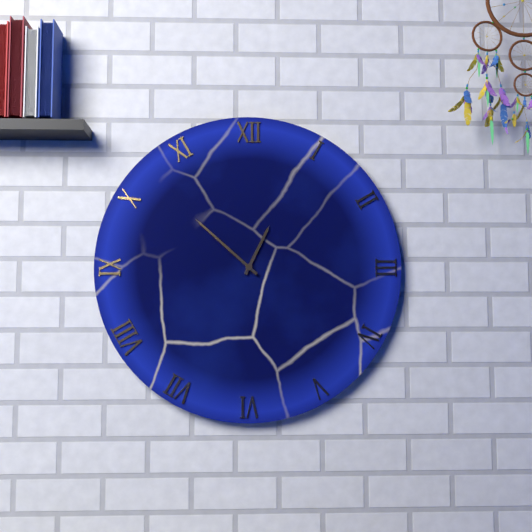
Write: 12:52
